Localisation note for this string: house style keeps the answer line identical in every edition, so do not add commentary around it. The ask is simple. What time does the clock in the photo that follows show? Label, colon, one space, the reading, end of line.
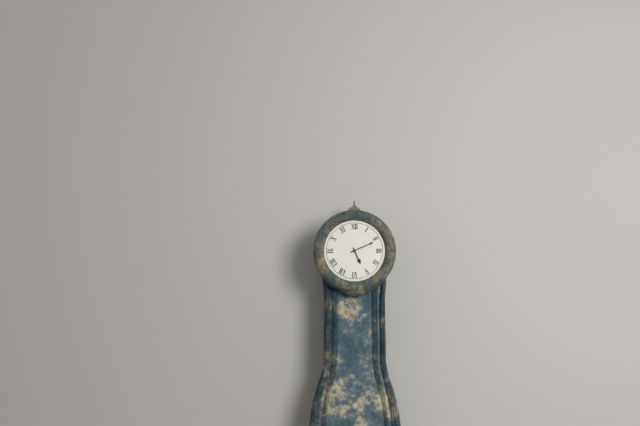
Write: 5:11
